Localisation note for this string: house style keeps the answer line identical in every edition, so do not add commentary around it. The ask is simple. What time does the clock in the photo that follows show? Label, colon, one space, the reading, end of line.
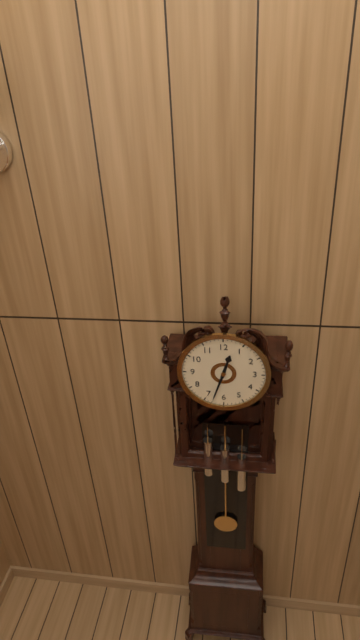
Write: 12:33
